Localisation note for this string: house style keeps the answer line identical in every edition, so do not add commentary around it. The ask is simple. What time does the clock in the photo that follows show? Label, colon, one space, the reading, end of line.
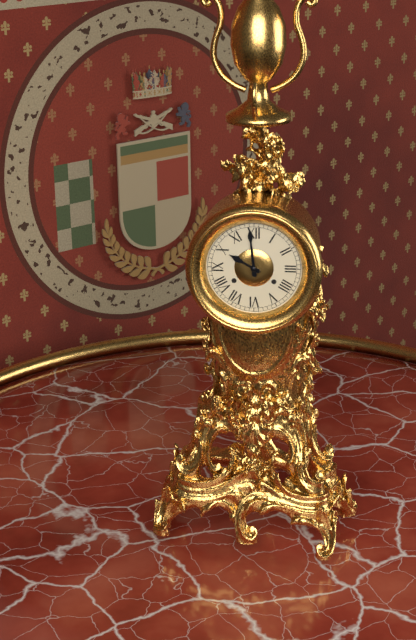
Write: 9:59
